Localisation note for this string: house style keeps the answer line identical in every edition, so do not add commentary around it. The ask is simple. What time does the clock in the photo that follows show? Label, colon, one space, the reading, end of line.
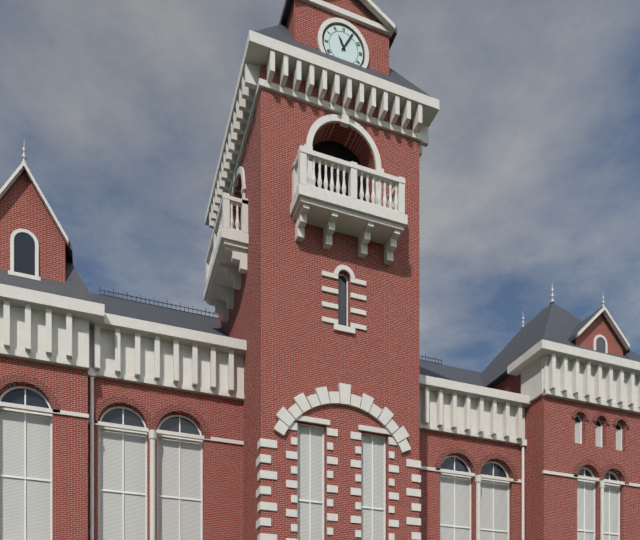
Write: 11:05
